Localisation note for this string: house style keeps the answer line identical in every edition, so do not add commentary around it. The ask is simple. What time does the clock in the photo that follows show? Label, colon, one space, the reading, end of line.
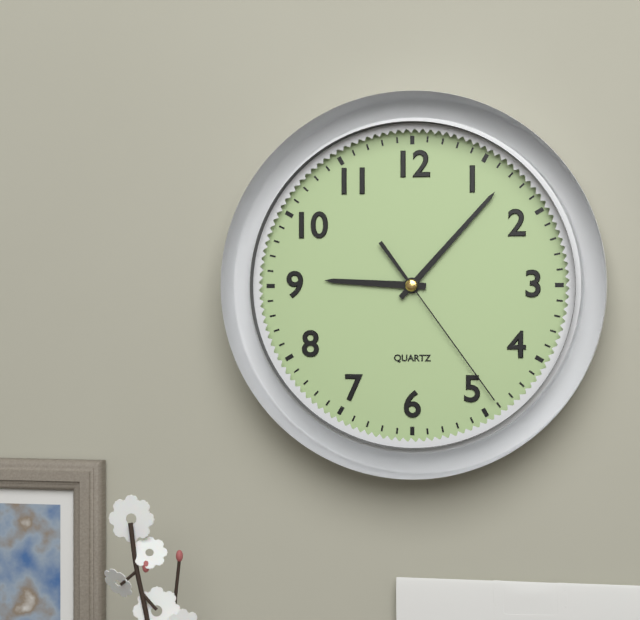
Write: 9:07:24
